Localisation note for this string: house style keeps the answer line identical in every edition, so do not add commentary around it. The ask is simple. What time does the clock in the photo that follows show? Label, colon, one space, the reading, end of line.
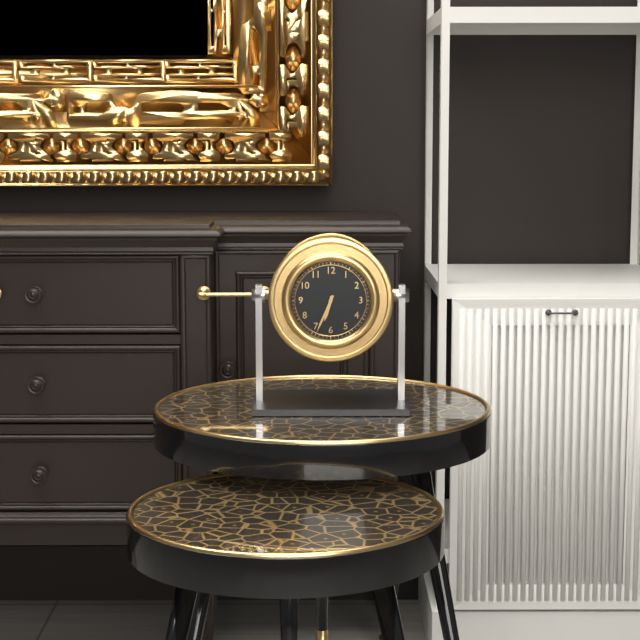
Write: 6:34
